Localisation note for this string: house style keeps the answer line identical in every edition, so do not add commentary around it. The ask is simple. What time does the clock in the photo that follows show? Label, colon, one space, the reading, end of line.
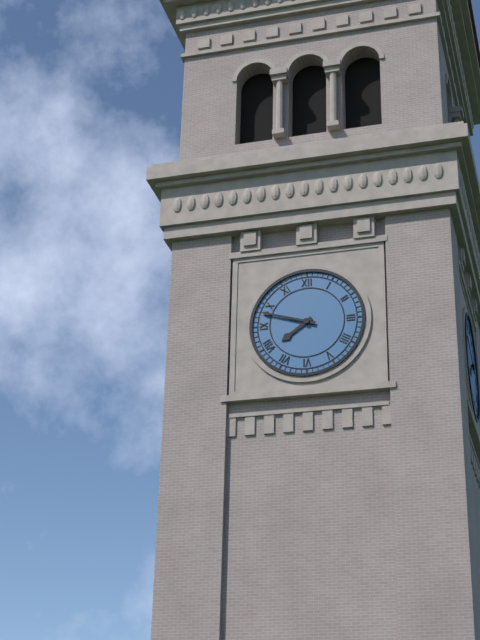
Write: 7:48
